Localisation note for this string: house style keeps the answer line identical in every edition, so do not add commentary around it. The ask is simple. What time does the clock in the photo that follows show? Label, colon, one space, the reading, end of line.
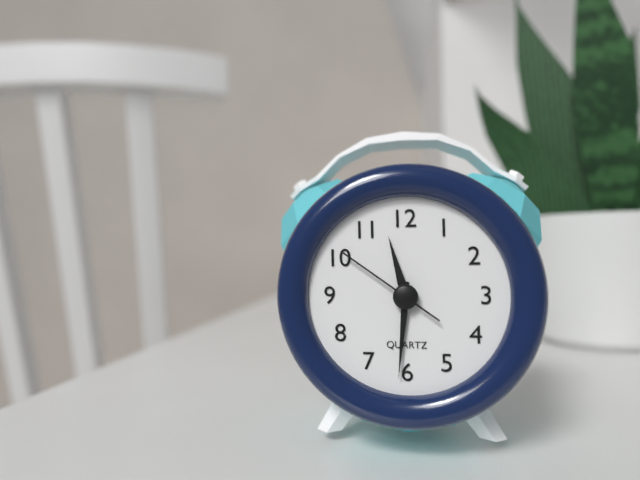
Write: 11:31:51
